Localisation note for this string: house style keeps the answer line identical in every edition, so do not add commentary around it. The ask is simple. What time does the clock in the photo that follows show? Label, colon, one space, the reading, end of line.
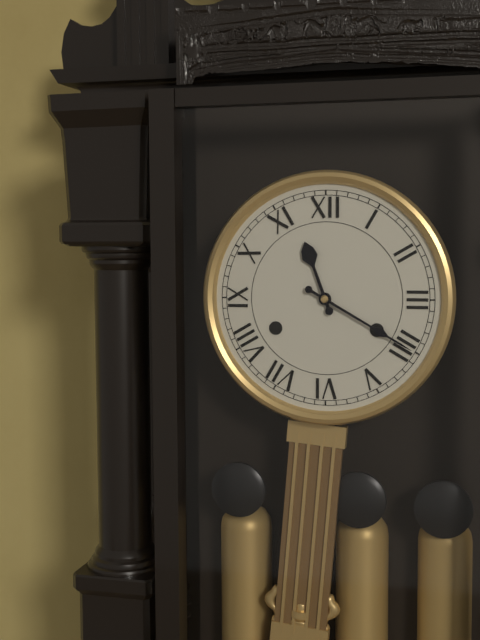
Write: 11:20
